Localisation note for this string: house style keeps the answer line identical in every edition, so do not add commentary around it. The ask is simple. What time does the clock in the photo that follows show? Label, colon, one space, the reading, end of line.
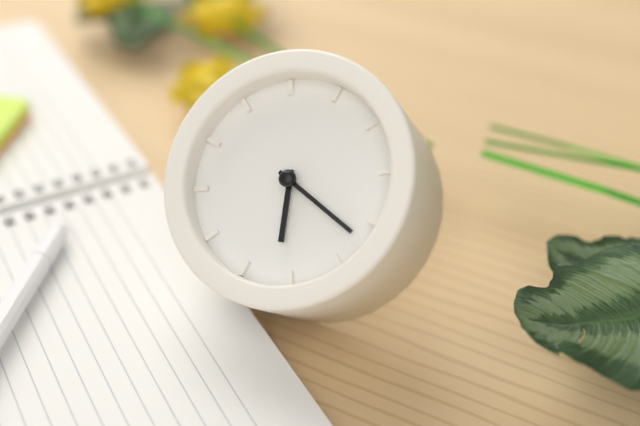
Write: 5:17
